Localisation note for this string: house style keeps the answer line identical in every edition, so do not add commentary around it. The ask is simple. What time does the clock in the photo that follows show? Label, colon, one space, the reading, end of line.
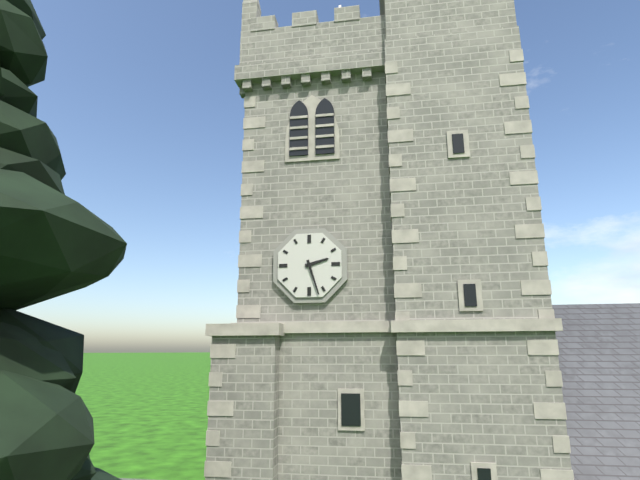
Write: 2:27
